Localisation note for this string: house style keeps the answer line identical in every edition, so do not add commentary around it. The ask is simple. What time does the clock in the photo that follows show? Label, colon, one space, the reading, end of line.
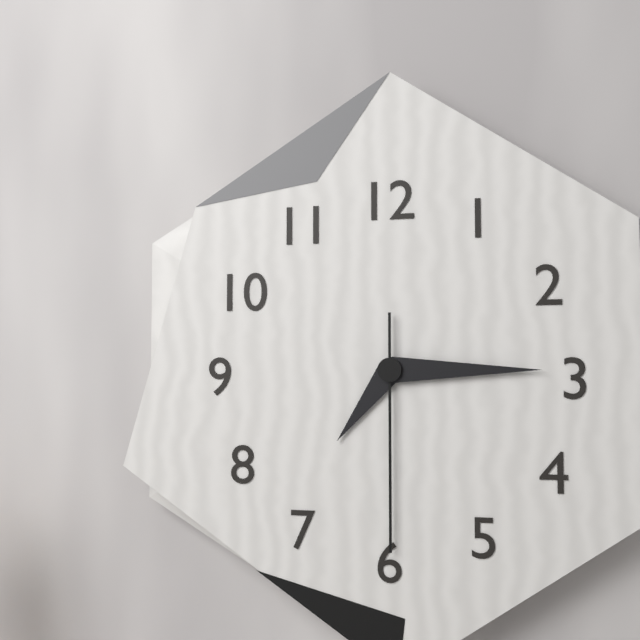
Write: 7:15:30
